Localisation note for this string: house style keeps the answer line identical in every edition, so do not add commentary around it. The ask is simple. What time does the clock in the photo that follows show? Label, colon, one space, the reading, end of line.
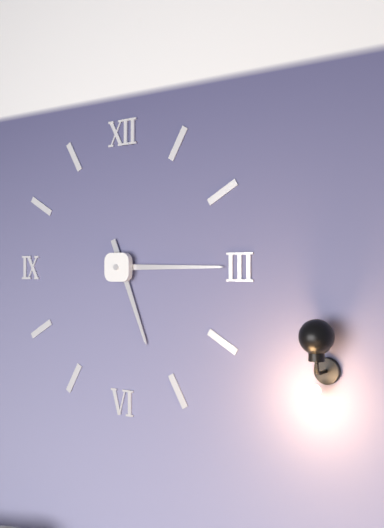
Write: 5:15
